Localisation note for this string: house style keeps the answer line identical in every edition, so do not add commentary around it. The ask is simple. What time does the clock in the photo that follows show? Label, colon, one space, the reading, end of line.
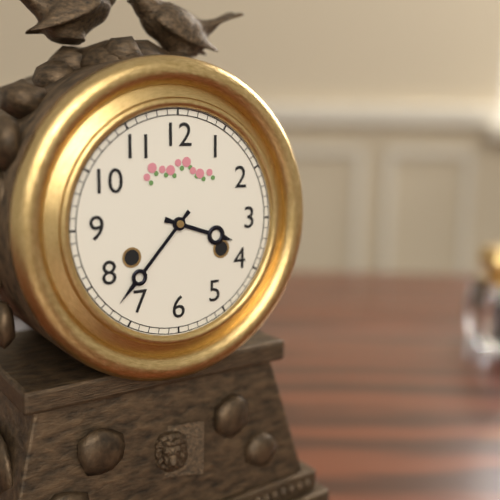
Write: 3:37
